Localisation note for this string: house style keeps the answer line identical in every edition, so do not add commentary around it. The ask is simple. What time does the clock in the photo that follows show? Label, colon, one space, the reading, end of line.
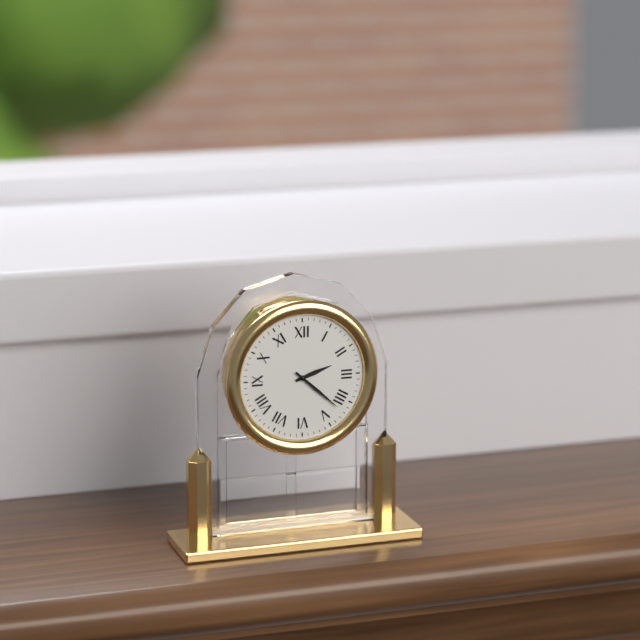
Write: 2:22
